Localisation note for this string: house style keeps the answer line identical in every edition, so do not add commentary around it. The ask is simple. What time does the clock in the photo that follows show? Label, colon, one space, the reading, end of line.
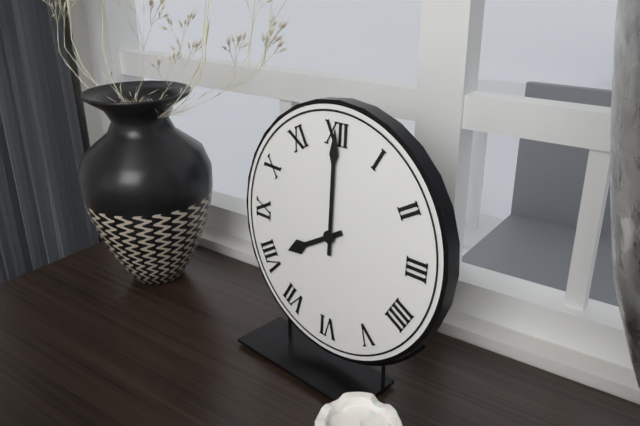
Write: 8:00
